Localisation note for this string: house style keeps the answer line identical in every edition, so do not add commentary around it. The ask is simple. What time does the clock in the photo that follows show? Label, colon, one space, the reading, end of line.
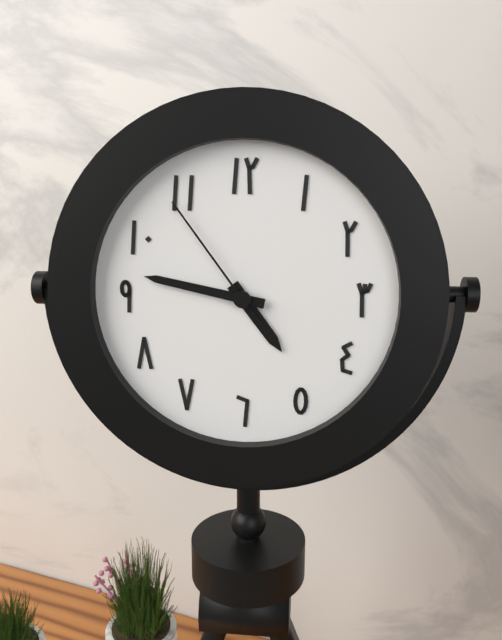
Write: 4:47:54
